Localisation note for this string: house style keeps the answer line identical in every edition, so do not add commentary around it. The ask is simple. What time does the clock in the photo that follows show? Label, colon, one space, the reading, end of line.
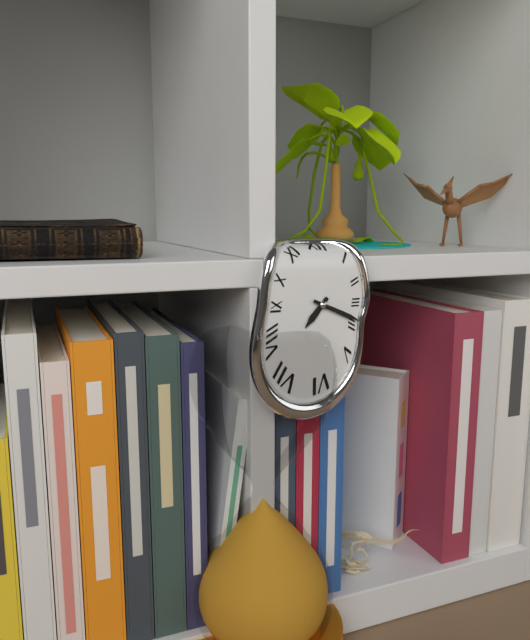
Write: 7:19
